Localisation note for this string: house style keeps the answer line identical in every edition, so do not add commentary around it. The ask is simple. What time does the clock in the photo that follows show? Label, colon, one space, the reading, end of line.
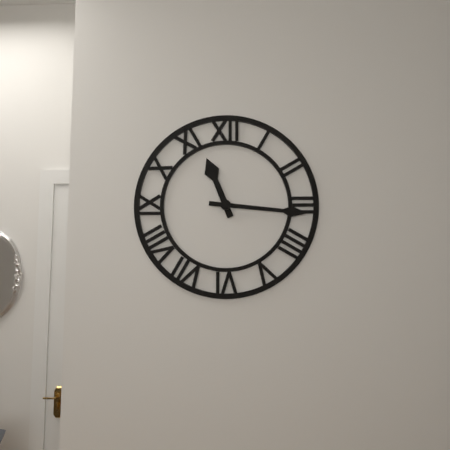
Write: 11:16
